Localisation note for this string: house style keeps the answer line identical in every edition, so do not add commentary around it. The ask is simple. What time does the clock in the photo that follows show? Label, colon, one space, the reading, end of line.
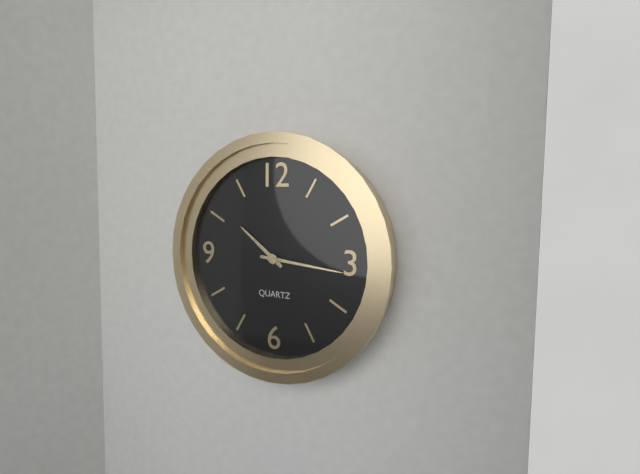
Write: 10:16
